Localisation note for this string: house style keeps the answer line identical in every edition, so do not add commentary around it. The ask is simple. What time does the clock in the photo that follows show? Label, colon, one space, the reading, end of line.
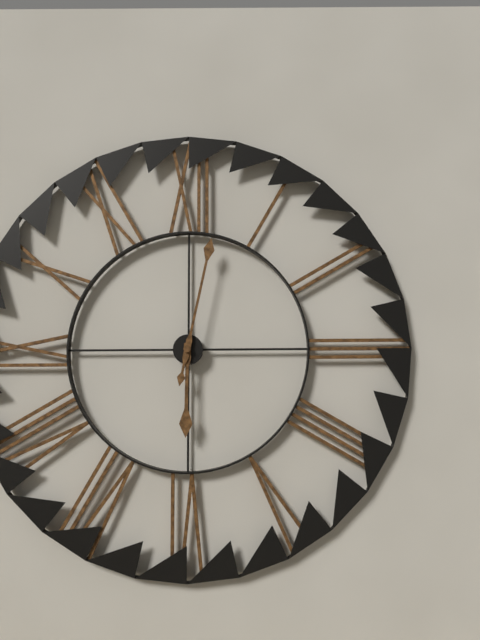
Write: 6:02
